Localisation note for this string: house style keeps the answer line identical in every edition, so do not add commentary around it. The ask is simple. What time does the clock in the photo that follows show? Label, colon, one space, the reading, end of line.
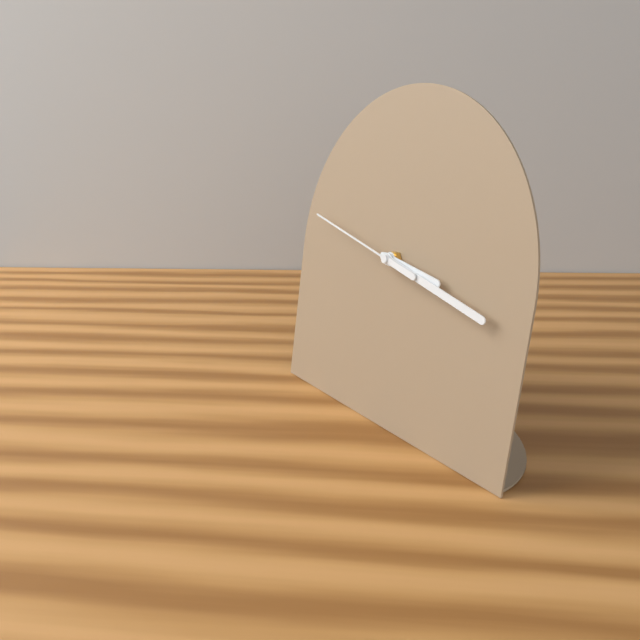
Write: 3:17:47
